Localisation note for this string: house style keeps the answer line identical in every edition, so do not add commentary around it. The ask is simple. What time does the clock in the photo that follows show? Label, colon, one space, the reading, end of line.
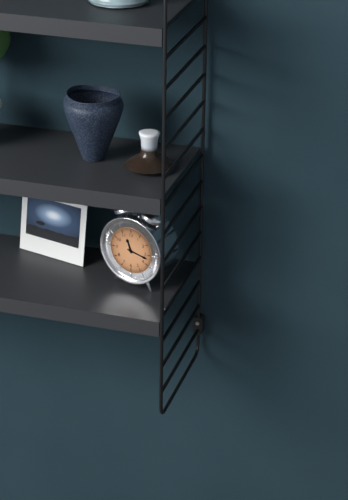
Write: 11:17
